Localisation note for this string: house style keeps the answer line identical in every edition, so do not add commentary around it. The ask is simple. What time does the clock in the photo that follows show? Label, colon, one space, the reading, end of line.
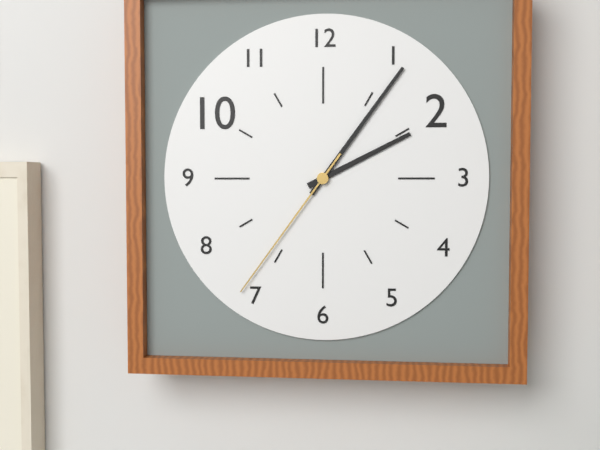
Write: 2:06:36
